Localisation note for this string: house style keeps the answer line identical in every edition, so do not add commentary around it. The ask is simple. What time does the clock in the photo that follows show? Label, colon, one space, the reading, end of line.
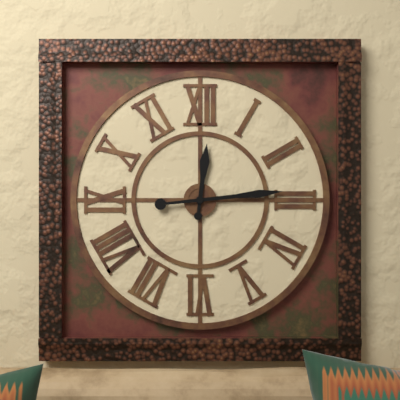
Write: 12:14
